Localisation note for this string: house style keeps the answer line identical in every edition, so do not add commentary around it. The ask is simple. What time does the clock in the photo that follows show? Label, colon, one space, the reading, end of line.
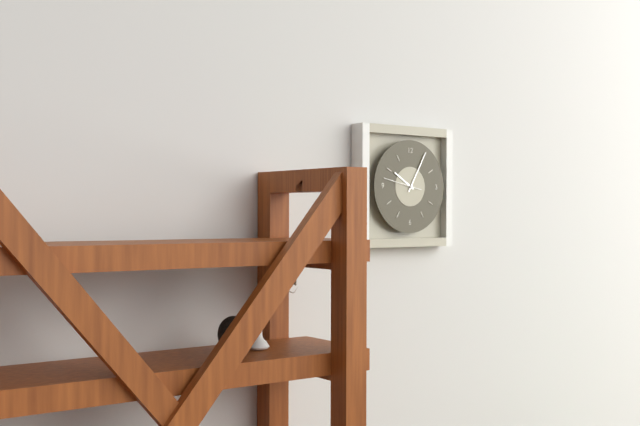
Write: 10:05
